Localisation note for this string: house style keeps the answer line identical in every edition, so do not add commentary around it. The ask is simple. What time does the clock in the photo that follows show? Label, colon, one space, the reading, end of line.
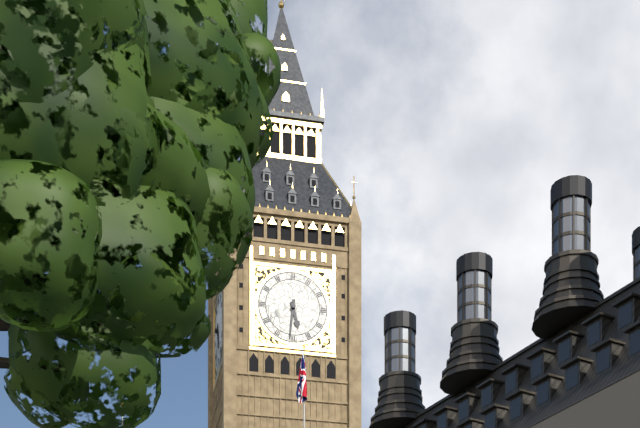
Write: 5:31
